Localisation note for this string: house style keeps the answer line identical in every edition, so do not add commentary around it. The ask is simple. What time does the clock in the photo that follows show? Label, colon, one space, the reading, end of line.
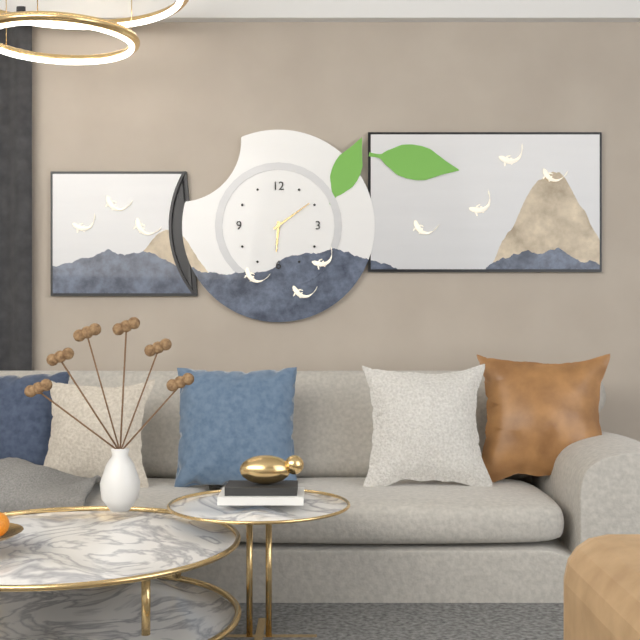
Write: 6:09
